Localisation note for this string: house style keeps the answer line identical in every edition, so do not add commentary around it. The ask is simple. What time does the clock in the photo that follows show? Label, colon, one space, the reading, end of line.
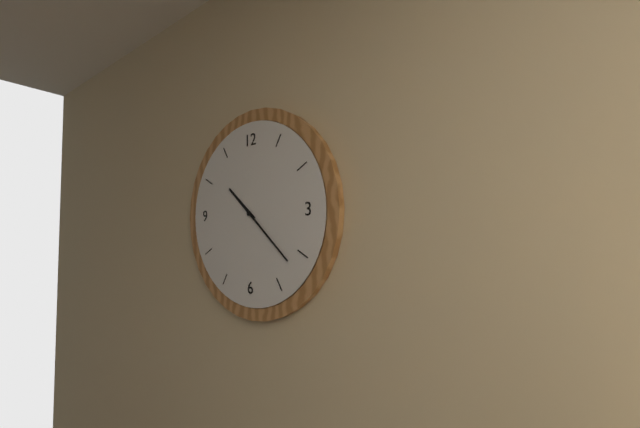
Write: 10:22
